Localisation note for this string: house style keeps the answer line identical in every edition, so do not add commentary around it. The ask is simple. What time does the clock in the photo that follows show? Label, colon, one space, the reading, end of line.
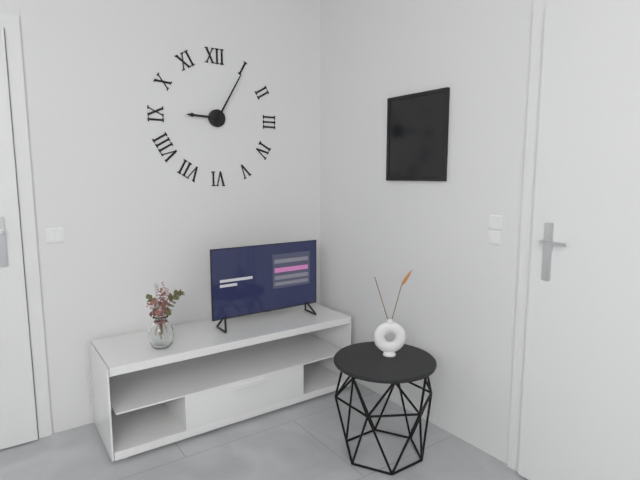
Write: 9:05
